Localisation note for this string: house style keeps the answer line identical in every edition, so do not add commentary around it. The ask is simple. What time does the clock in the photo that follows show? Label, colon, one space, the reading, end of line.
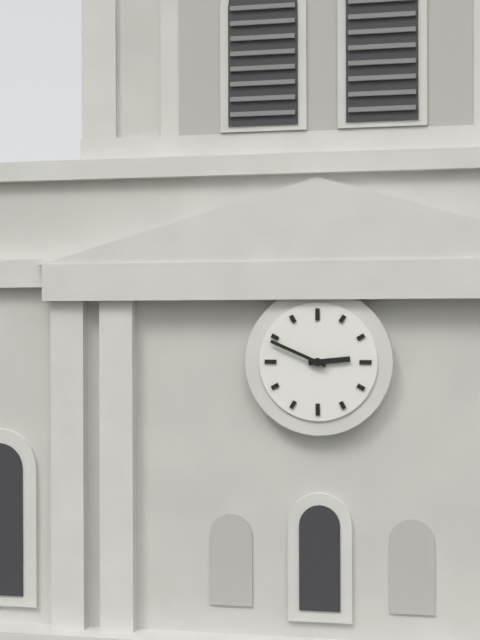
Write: 2:49
